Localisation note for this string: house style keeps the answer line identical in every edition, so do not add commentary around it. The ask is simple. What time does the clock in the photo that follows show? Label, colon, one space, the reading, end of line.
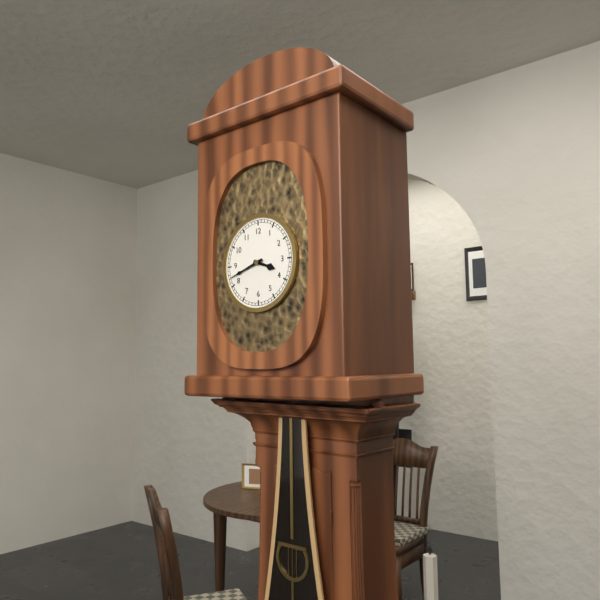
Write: 3:42
